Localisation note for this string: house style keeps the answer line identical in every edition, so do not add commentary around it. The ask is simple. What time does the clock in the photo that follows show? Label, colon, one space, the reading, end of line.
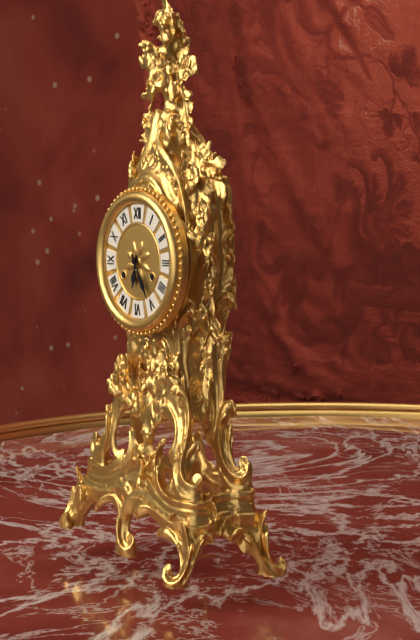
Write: 6:25
